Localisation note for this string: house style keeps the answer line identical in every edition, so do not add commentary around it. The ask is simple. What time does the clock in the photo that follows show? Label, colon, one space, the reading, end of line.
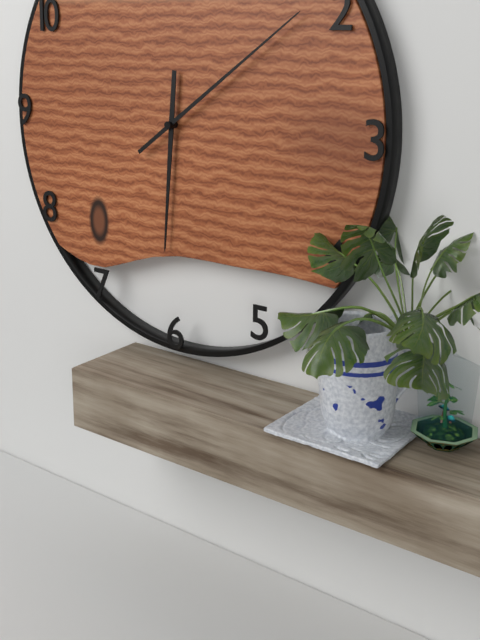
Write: 6:09
